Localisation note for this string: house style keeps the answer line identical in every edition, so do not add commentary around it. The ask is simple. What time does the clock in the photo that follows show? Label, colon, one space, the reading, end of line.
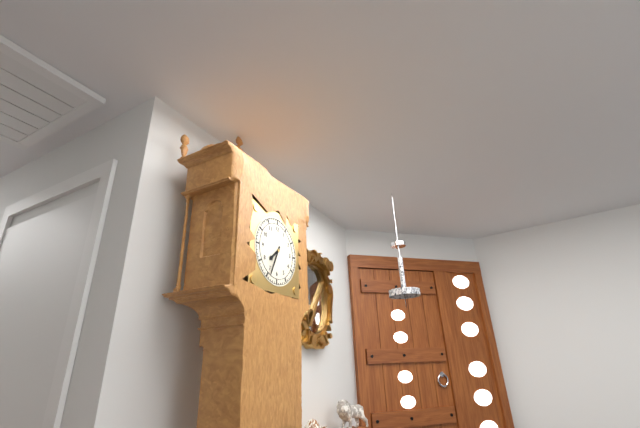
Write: 7:34
